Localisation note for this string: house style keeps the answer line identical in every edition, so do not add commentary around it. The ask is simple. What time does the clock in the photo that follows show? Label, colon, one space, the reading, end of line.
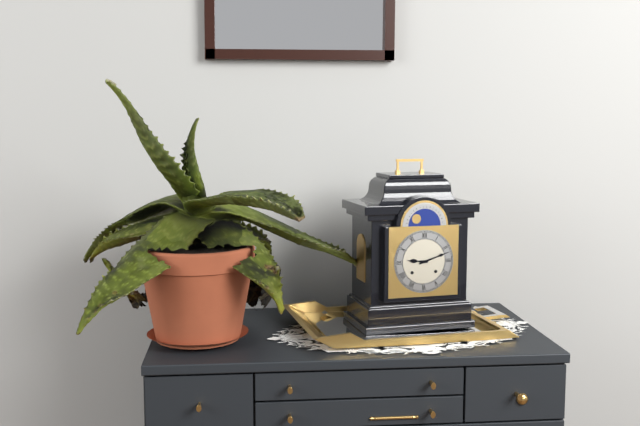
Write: 9:12
